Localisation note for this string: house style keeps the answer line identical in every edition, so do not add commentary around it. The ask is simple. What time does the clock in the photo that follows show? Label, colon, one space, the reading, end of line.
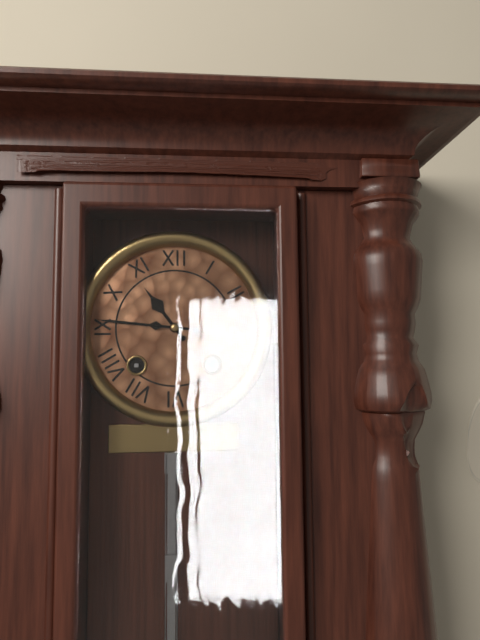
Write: 10:46
